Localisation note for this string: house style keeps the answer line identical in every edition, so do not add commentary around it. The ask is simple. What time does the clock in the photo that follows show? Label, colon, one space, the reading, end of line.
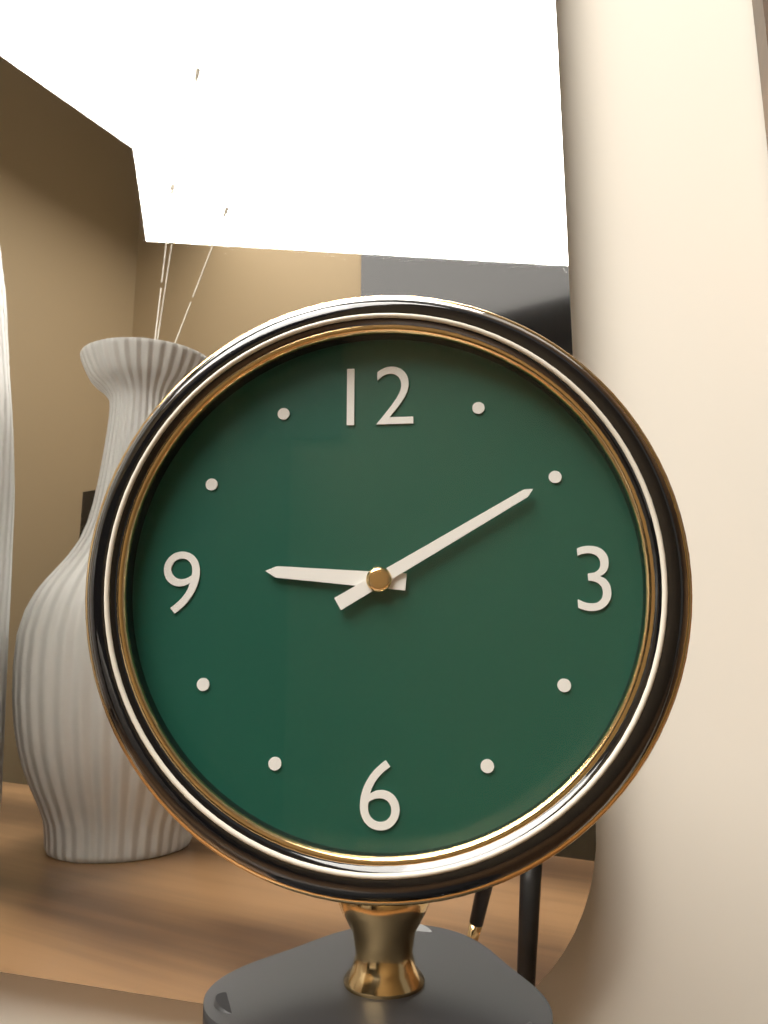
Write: 9:10
